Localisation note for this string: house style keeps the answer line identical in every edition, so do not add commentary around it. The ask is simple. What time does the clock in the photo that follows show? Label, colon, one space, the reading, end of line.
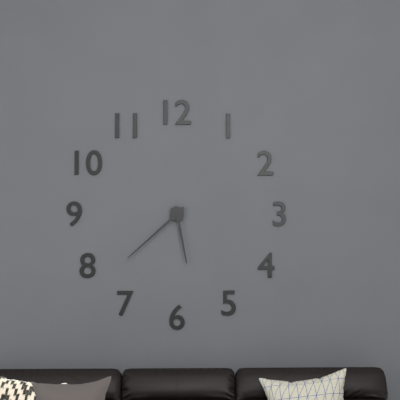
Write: 5:38
